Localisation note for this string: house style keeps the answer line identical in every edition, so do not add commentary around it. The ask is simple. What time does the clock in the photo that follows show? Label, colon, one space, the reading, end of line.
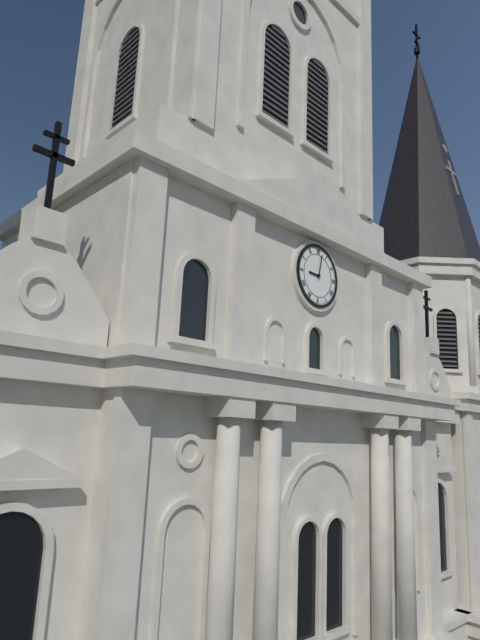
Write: 9:02
